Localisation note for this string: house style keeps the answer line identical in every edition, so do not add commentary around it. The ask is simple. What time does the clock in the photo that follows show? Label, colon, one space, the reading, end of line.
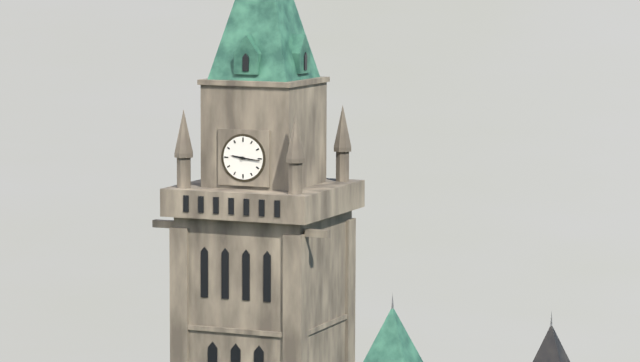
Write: 9:16
